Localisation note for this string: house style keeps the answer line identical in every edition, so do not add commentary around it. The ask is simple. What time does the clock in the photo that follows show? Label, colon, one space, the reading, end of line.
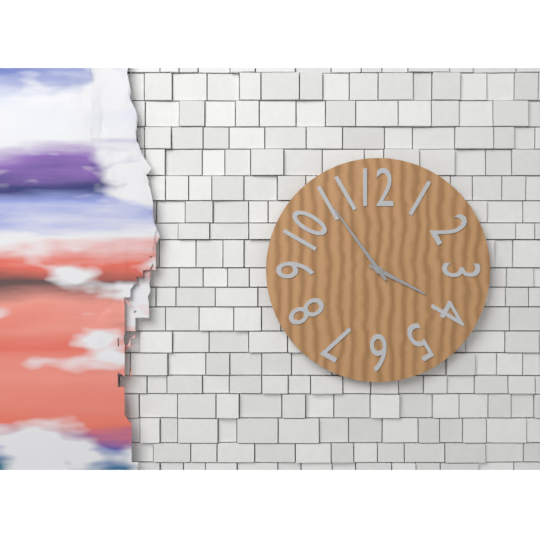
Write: 3:54
